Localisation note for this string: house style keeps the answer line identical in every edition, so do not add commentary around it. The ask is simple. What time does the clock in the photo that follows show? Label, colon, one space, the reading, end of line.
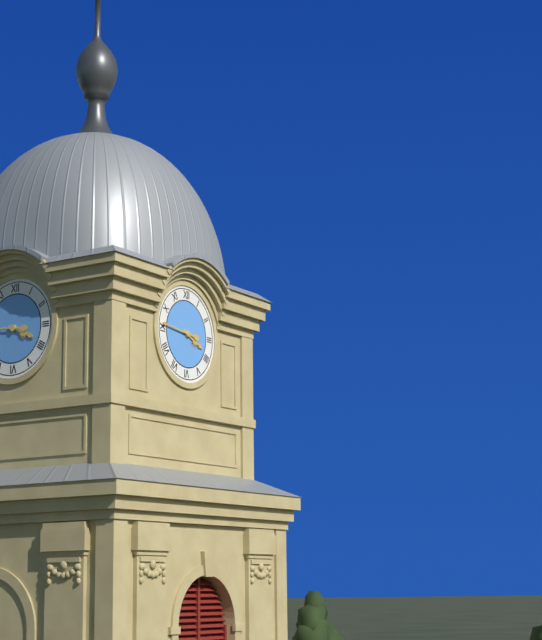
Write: 3:46
